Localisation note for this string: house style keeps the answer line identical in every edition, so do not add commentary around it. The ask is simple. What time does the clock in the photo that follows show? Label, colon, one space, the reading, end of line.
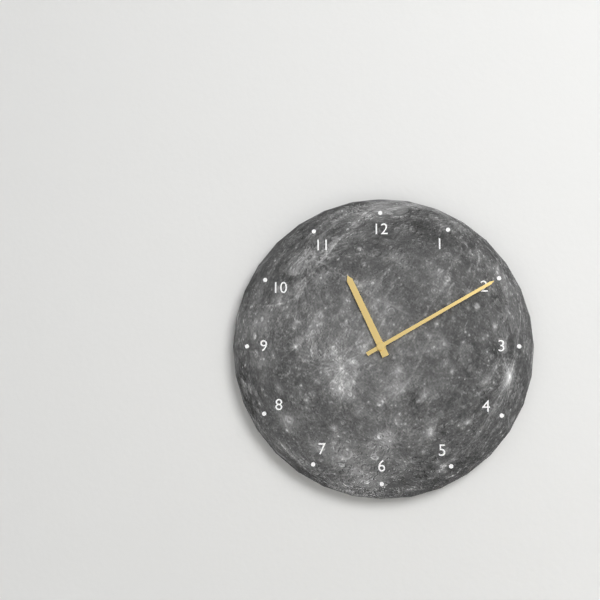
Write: 11:10
